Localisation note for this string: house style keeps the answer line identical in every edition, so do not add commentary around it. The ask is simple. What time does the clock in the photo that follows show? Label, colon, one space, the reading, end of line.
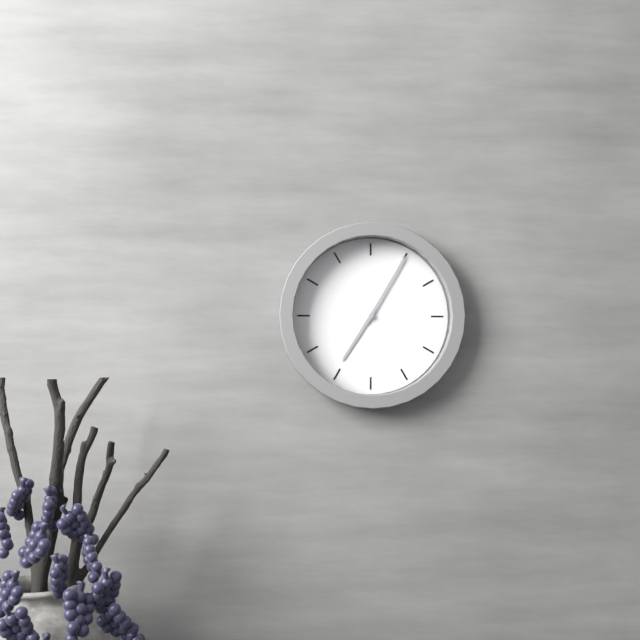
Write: 7:05
